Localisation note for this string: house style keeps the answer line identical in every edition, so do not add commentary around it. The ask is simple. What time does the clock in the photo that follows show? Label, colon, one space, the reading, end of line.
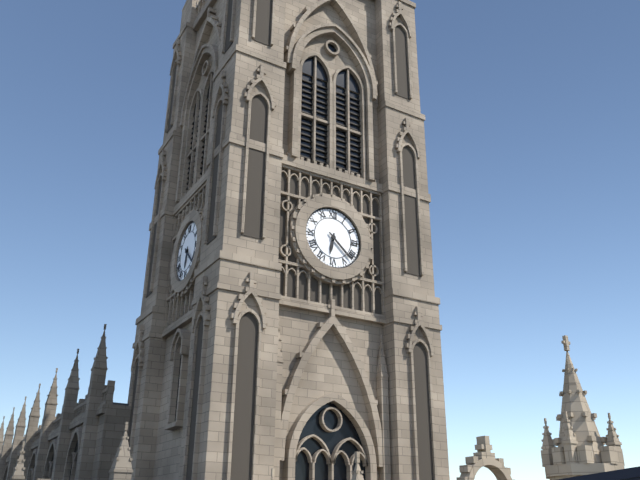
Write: 6:22
